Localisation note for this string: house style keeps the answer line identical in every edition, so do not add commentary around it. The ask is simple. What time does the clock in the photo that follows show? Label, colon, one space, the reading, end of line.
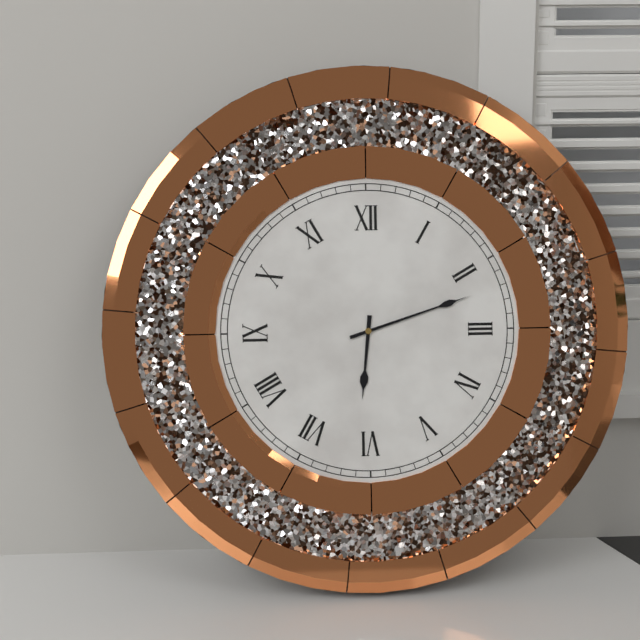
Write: 6:12
